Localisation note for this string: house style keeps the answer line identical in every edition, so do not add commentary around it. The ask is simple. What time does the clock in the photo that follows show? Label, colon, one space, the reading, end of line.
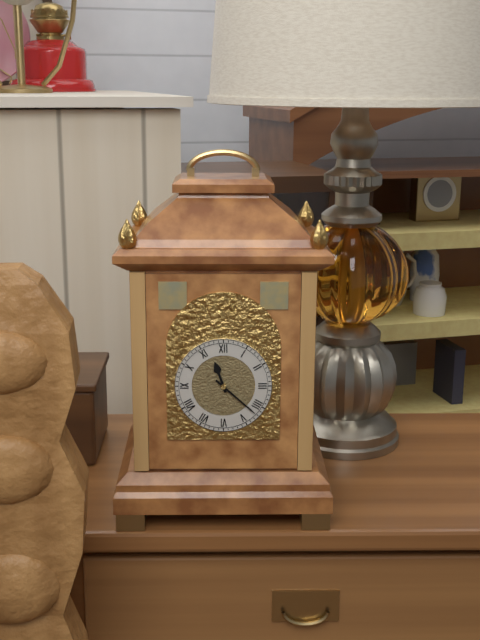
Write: 11:22
